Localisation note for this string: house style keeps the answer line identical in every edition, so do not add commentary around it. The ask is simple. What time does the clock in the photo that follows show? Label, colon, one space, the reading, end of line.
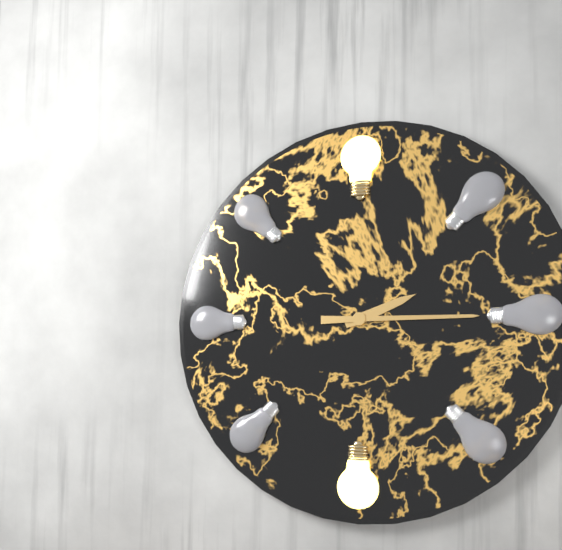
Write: 2:15
